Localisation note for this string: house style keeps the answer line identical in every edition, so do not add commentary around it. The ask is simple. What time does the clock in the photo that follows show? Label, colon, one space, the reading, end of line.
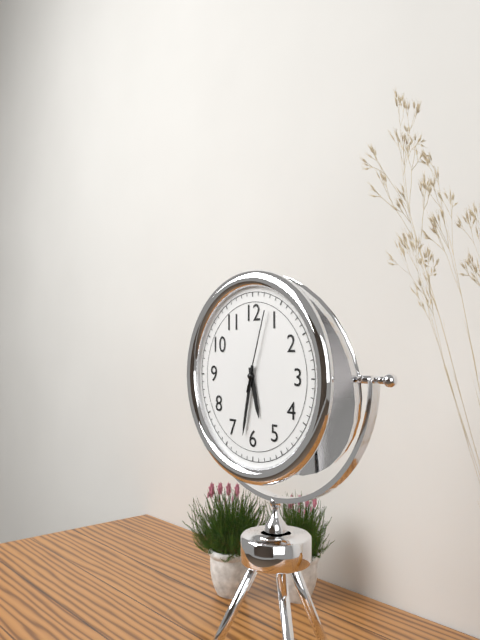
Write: 5:32:03
